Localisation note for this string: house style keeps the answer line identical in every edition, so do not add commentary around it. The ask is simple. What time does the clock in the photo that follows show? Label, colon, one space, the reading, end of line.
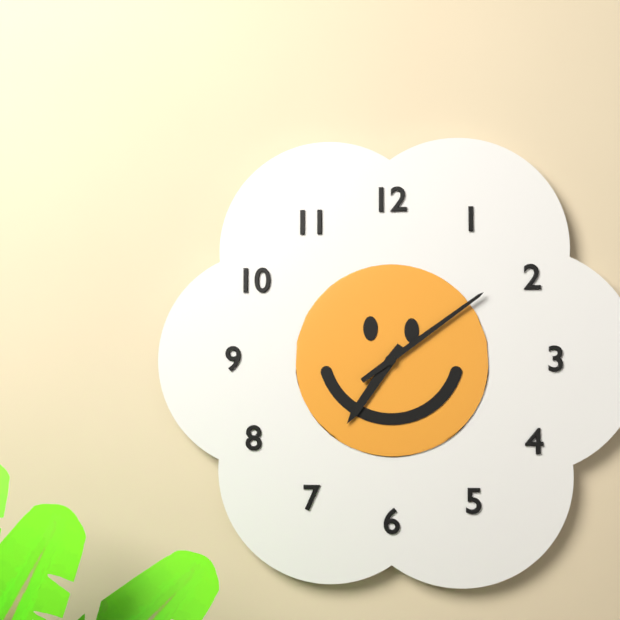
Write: 7:09
